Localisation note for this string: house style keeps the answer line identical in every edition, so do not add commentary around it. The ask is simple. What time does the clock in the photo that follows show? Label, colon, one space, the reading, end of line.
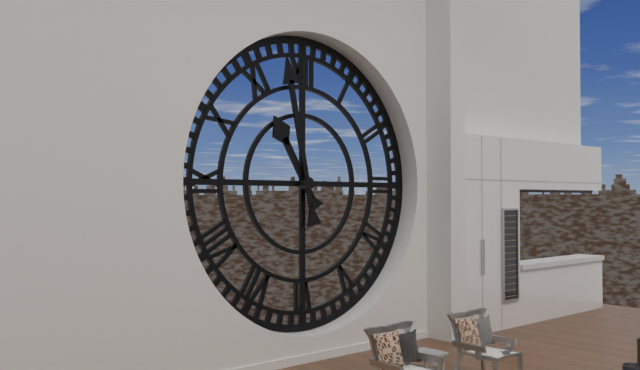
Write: 10:58
